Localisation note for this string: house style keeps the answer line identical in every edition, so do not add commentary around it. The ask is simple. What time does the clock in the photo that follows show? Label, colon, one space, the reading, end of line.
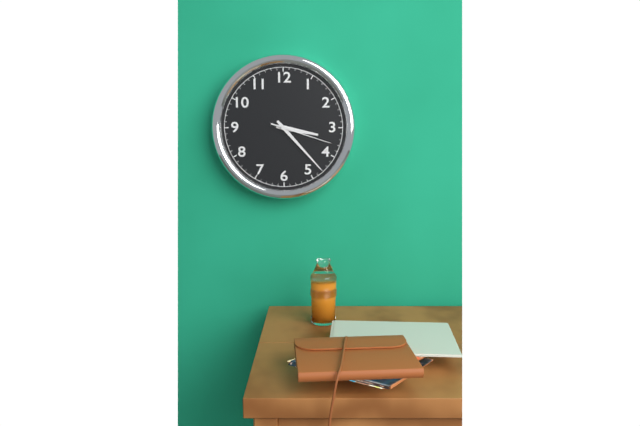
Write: 3:23:18
